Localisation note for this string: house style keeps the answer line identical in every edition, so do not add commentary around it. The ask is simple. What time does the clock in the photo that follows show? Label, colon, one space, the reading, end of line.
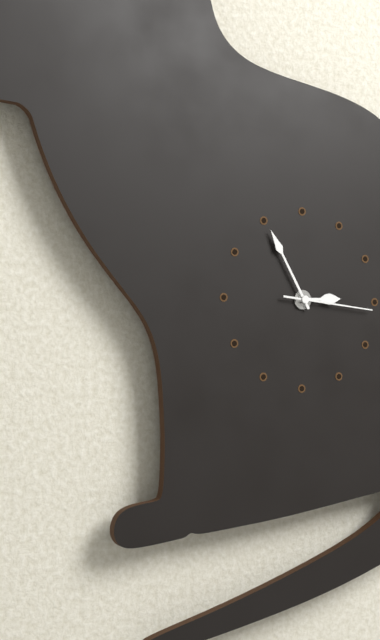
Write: 2:55:16
